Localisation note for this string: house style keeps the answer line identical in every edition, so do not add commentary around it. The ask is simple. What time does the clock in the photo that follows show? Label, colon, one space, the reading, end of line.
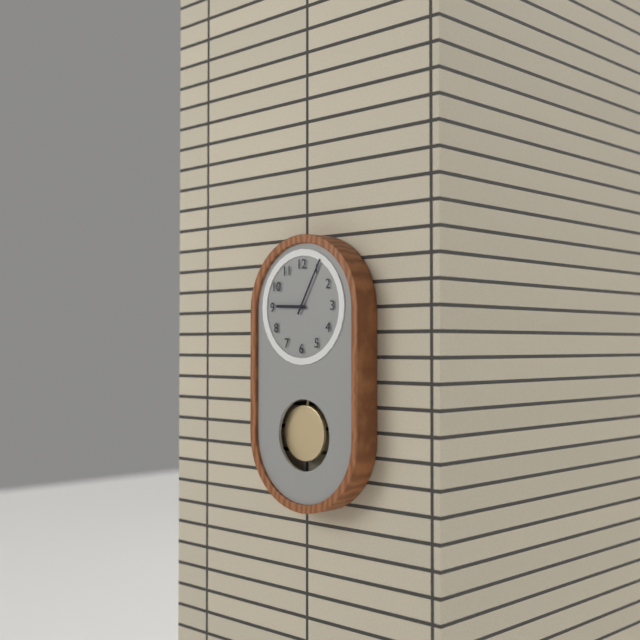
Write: 9:05
